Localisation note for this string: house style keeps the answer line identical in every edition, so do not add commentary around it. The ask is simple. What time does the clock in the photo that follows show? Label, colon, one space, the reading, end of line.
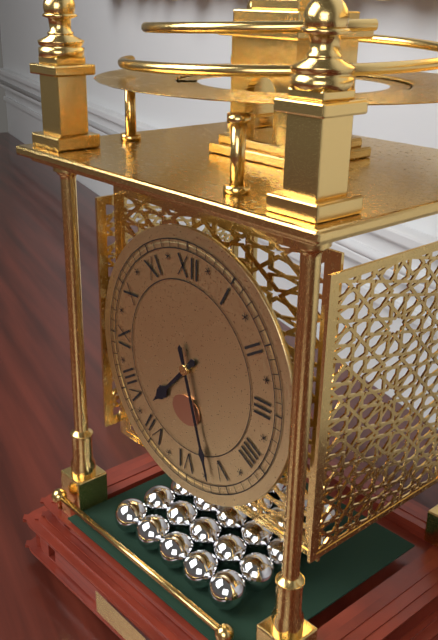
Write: 7:27
